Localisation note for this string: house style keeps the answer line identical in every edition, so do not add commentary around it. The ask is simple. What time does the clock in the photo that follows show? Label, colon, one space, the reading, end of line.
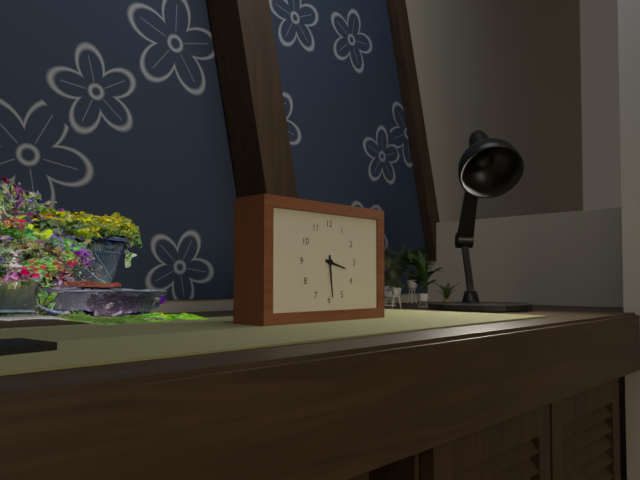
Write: 3:29
